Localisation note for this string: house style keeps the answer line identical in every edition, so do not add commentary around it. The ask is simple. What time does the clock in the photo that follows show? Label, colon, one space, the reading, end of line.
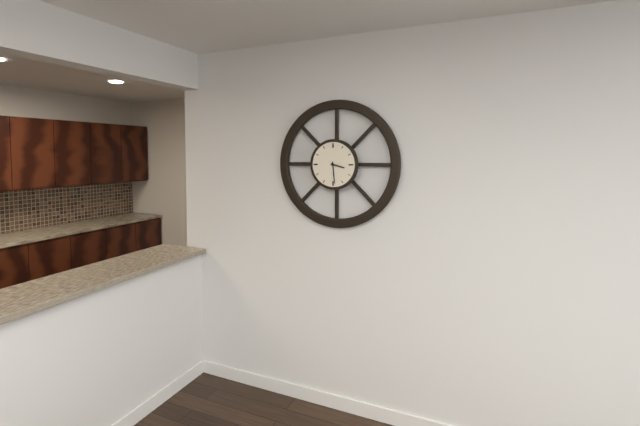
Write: 3:29
